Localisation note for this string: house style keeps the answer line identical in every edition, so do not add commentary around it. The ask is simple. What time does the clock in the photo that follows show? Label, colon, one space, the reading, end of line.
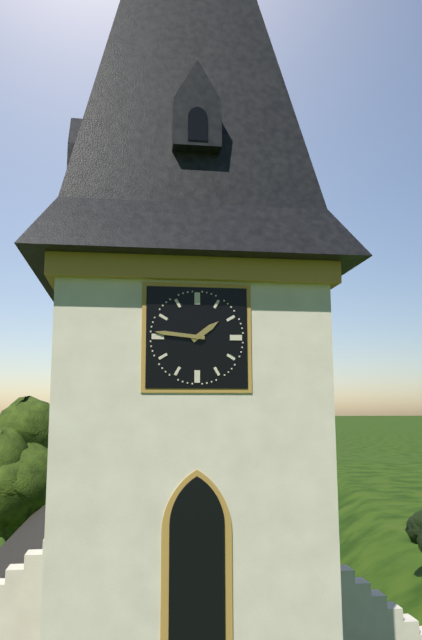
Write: 1:46
